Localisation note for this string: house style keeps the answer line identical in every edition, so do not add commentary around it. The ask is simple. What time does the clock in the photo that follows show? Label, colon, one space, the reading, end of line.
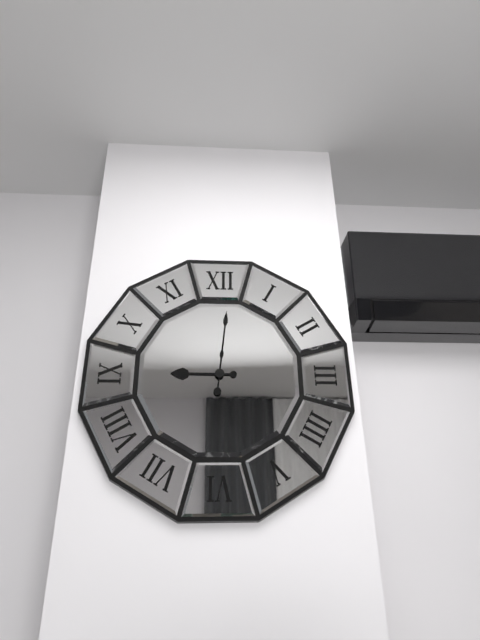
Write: 9:01
